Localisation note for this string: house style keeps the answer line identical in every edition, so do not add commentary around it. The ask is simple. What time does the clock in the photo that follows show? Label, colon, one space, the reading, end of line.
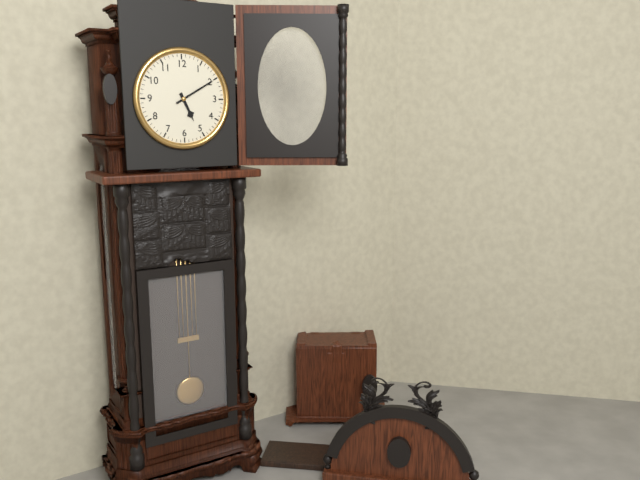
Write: 5:10
